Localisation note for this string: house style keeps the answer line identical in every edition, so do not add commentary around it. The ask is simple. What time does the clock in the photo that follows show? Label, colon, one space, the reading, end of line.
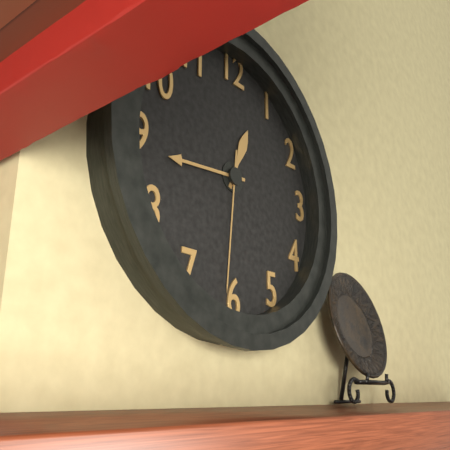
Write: 12:44:31
